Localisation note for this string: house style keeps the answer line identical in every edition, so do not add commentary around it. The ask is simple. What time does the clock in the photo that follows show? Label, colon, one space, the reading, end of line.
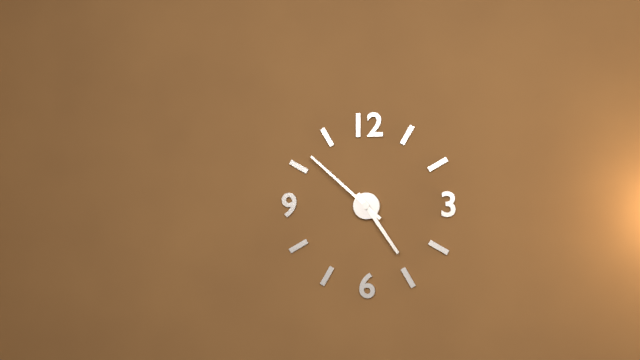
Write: 4:52
